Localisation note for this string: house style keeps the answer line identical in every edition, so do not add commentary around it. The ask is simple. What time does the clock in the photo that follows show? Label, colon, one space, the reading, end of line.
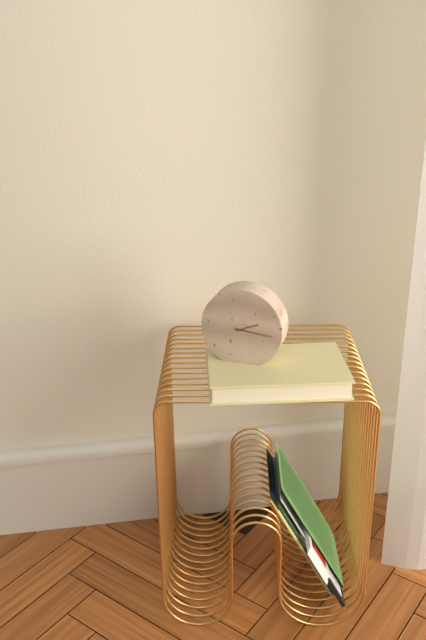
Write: 2:16
